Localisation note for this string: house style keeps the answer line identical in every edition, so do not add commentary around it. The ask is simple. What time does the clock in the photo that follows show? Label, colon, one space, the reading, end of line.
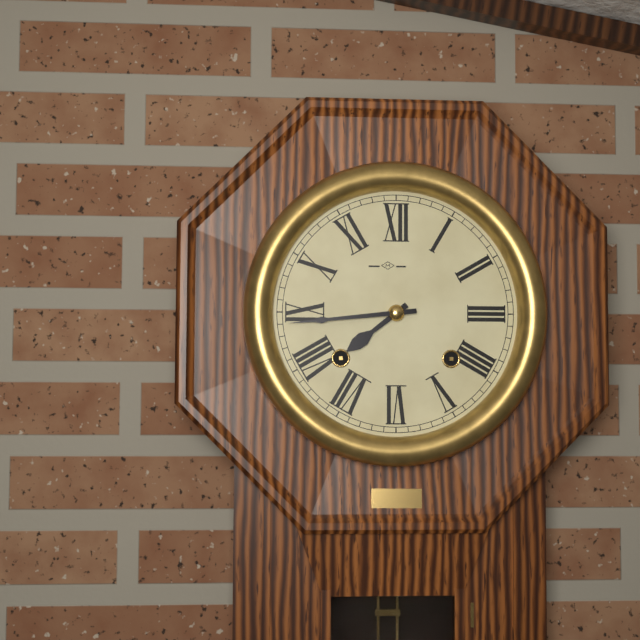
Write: 7:44
